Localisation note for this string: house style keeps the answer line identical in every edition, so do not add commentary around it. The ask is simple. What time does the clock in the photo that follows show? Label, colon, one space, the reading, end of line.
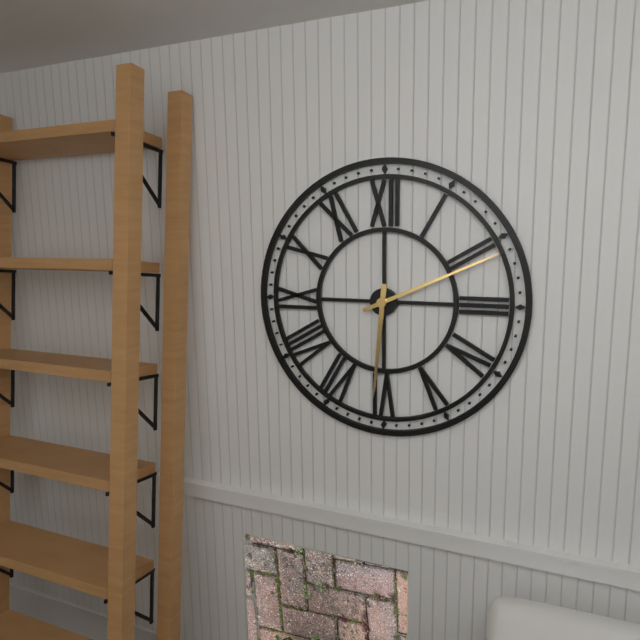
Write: 6:11
